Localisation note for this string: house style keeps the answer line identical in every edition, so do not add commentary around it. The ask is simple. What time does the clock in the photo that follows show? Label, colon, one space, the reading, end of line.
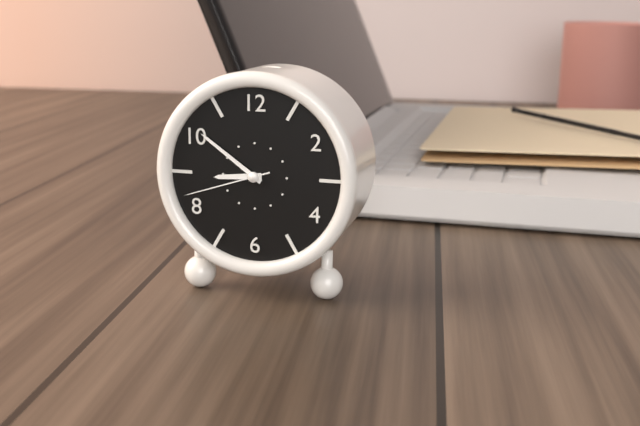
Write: 8:51:42
